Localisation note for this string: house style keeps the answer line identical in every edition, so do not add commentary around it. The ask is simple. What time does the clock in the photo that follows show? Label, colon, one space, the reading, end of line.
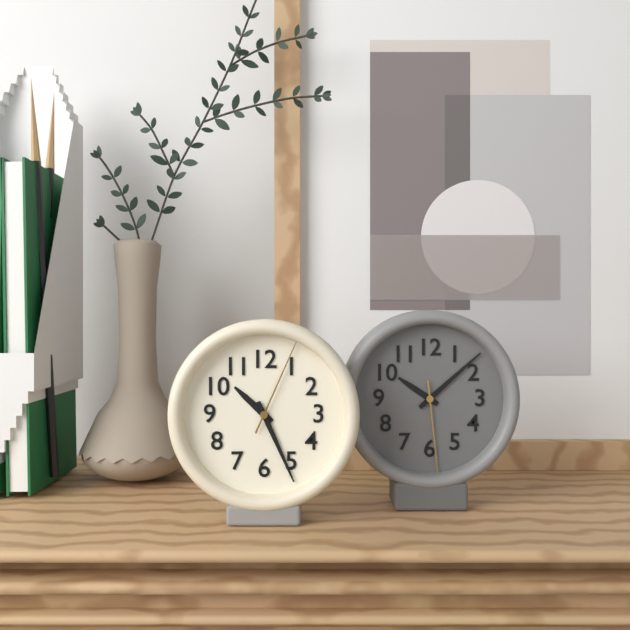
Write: 10:26:04
